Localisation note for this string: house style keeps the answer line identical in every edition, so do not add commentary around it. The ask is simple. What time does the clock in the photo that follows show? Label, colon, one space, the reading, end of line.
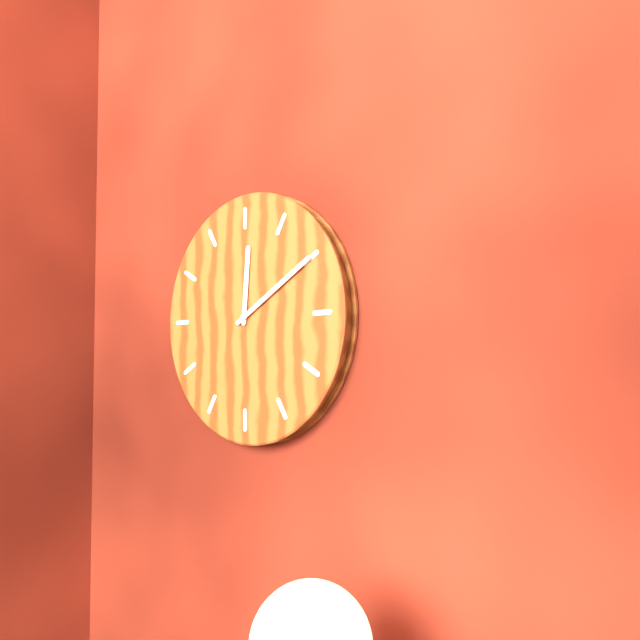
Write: 12:10
